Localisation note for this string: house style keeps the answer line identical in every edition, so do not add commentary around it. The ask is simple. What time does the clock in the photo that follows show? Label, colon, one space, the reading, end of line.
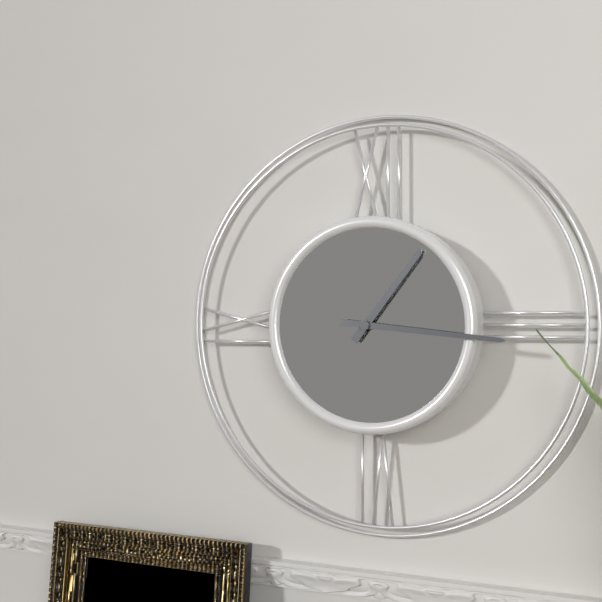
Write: 1:16
